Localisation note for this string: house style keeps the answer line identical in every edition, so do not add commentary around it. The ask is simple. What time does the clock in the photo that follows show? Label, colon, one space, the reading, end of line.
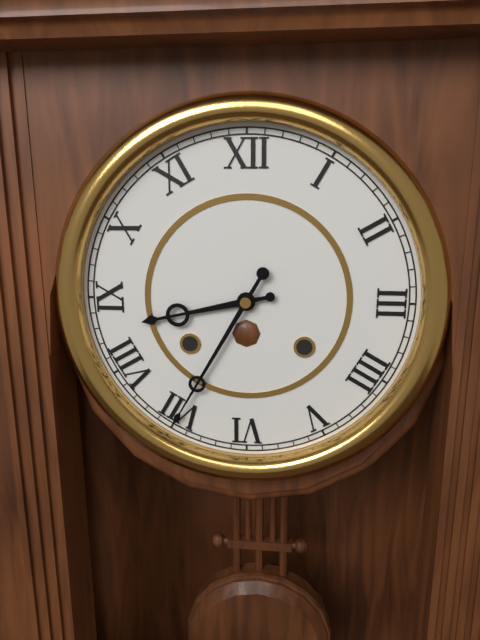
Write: 8:35
